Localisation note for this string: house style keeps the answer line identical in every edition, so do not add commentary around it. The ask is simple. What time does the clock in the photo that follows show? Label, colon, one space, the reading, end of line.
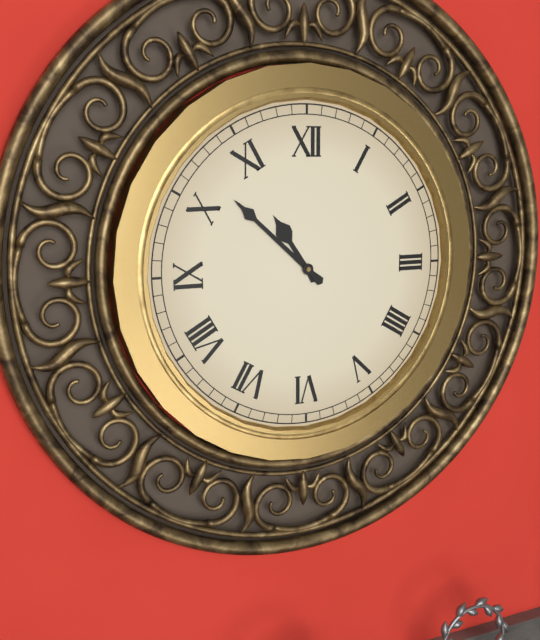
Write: 10:52
